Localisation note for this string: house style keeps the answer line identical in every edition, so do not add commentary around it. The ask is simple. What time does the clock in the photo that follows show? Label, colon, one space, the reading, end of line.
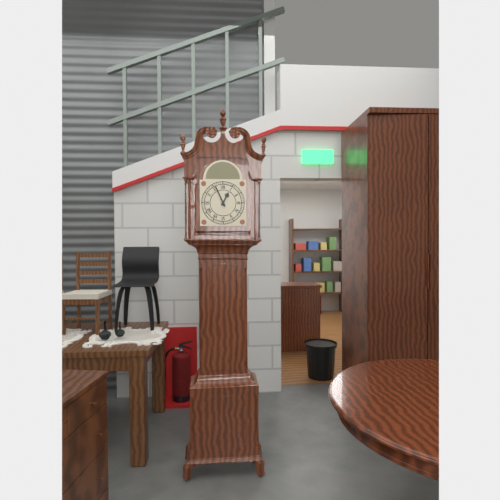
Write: 12:56
